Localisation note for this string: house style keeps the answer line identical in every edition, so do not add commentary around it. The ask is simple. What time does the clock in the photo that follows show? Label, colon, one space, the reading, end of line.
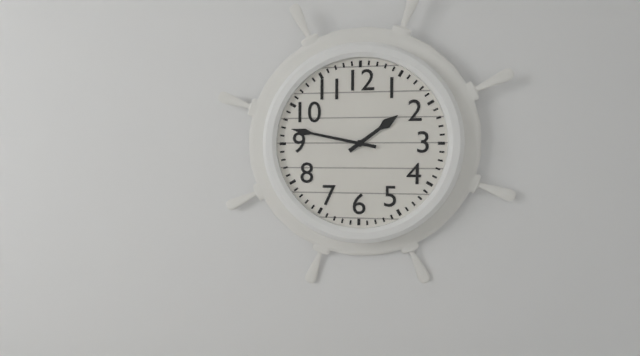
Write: 1:47
